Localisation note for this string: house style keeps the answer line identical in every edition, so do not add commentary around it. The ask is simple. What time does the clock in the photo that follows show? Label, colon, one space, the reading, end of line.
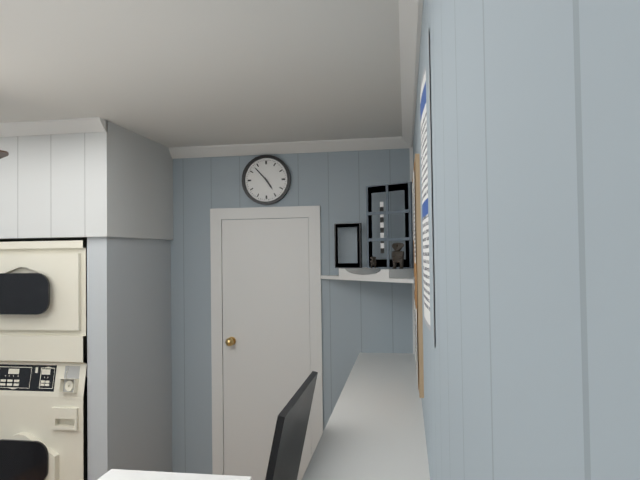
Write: 4:53
